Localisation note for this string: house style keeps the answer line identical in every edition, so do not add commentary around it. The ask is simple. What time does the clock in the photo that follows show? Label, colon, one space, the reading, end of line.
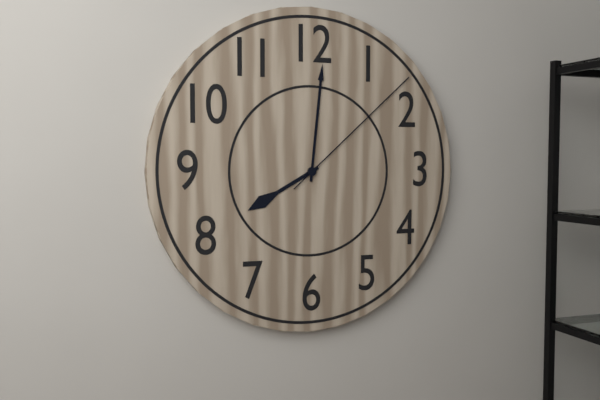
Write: 8:01:08
